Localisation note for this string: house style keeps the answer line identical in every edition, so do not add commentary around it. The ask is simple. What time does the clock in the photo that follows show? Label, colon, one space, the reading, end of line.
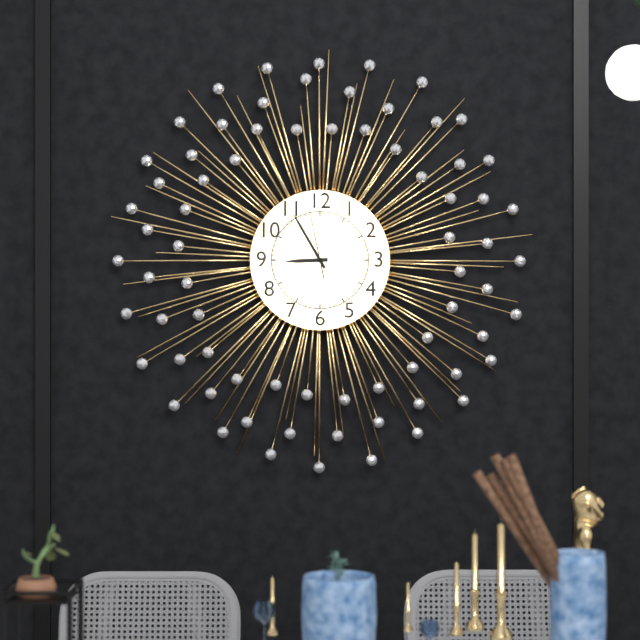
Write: 8:55:58
